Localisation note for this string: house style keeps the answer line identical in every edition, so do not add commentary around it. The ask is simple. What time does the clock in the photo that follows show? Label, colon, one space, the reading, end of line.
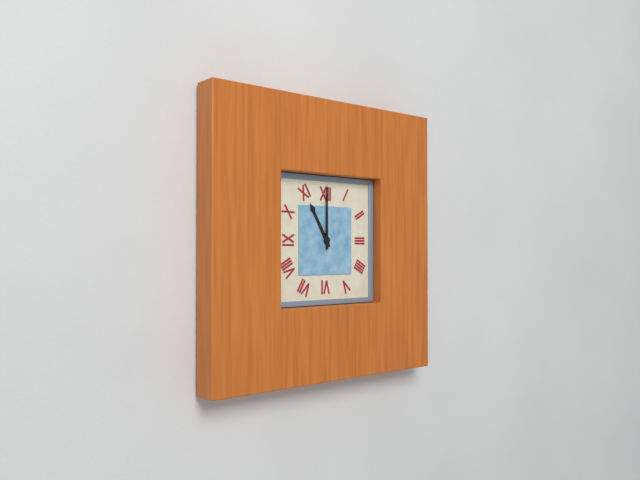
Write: 11:00
